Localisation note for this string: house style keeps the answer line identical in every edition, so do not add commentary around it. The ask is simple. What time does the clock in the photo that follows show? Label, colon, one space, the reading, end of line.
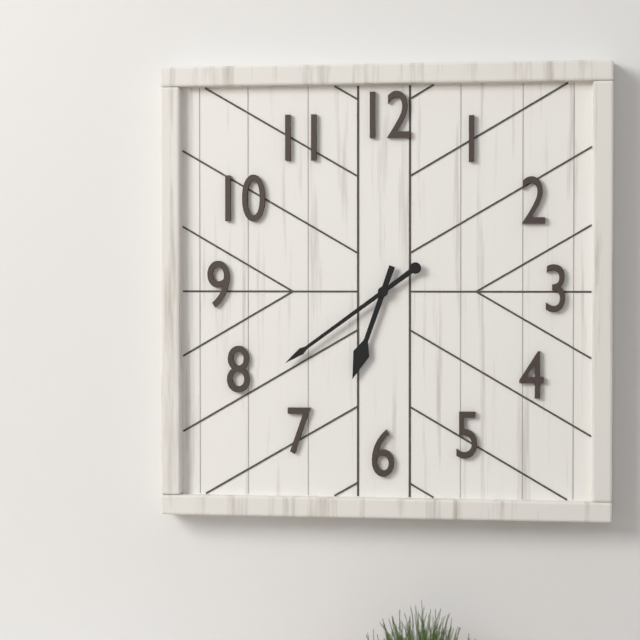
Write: 6:39
